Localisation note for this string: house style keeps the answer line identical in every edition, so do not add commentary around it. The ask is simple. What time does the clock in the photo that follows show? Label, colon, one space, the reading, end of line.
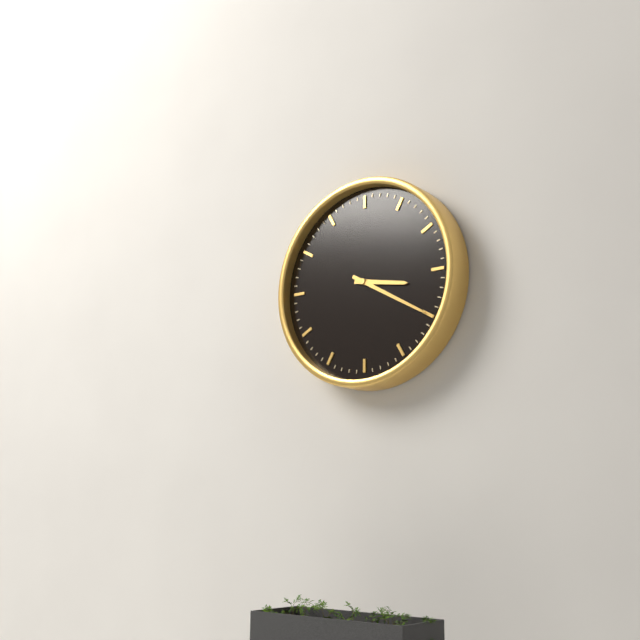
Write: 3:20
